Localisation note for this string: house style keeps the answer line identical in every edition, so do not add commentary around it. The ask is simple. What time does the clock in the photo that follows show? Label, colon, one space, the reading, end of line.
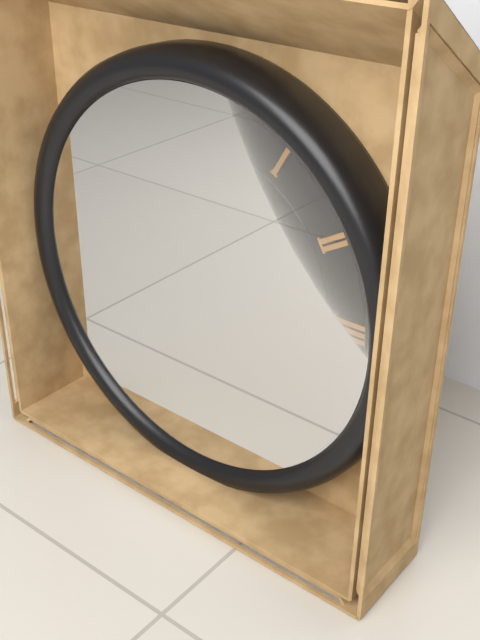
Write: 10:30
